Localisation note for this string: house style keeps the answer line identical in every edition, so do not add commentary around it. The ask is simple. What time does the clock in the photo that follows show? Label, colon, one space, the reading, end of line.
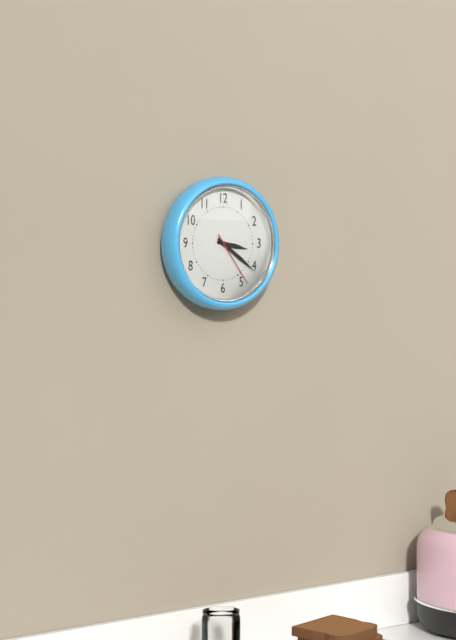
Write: 3:21:24
